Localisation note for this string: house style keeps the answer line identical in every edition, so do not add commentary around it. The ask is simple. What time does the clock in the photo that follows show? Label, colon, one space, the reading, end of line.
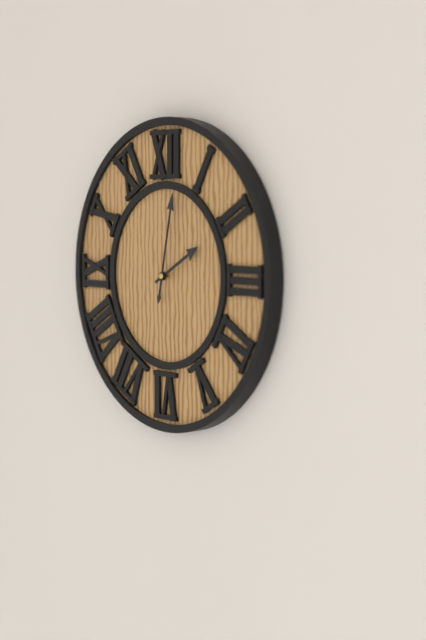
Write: 2:02
